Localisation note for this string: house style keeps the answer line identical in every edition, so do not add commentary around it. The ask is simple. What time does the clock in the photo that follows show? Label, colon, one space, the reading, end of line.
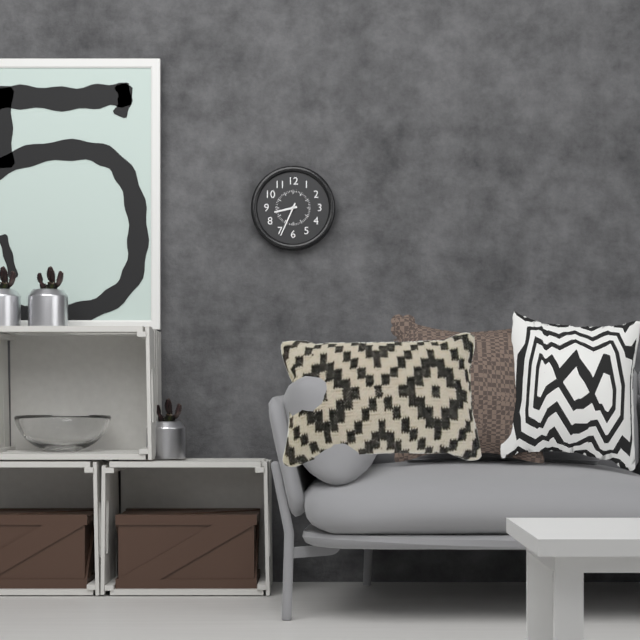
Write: 8:34
